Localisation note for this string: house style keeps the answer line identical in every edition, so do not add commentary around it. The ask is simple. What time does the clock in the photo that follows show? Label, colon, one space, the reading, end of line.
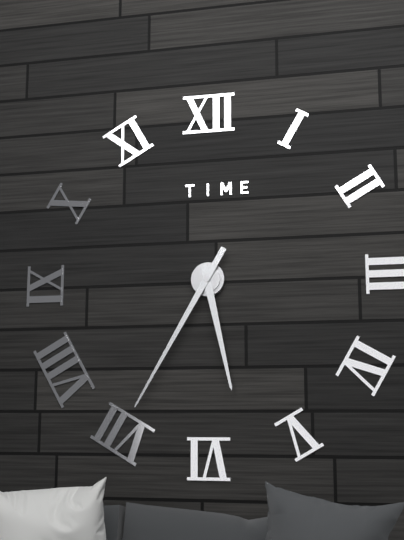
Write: 5:35
